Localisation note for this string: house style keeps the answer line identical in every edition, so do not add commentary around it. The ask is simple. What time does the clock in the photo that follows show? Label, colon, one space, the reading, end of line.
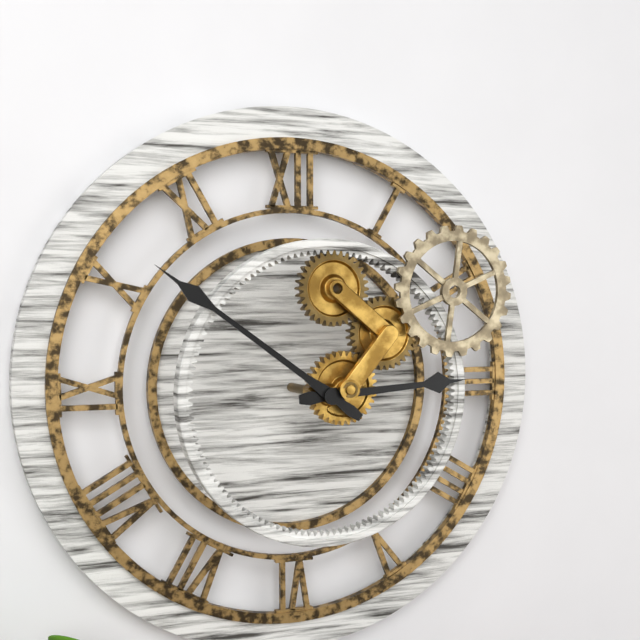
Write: 2:51
